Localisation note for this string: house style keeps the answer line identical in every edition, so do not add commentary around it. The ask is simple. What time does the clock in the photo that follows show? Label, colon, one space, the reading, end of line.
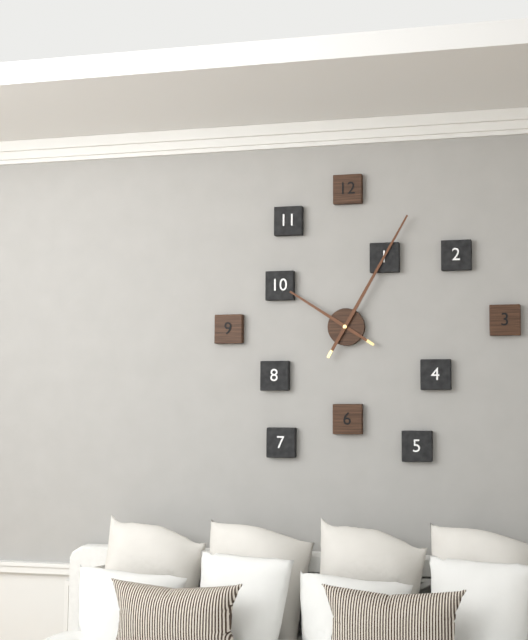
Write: 10:05
